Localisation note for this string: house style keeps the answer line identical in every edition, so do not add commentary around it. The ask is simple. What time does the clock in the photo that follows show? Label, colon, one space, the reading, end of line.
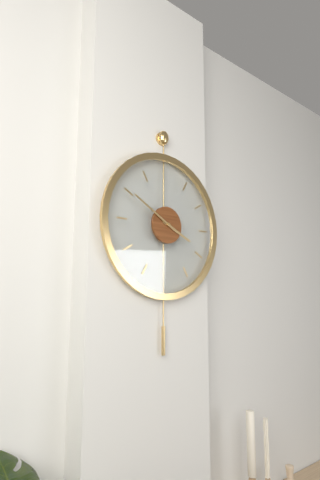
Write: 3:50
